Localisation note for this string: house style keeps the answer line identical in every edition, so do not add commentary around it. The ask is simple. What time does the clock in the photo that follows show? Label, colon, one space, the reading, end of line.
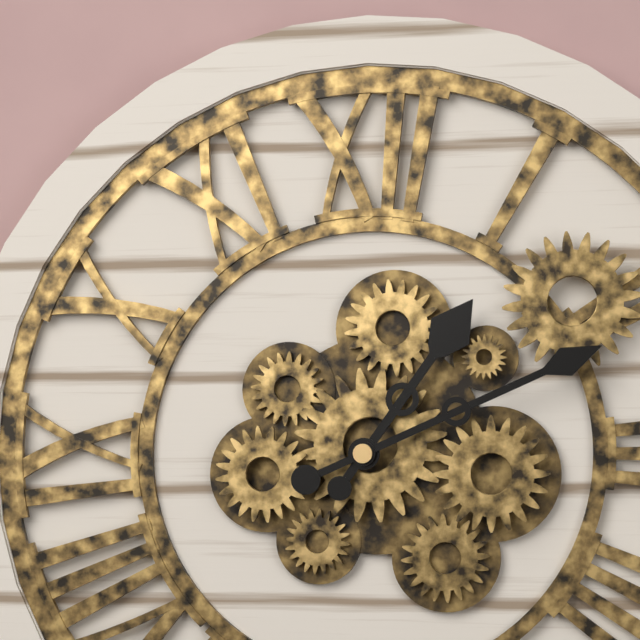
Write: 1:11
